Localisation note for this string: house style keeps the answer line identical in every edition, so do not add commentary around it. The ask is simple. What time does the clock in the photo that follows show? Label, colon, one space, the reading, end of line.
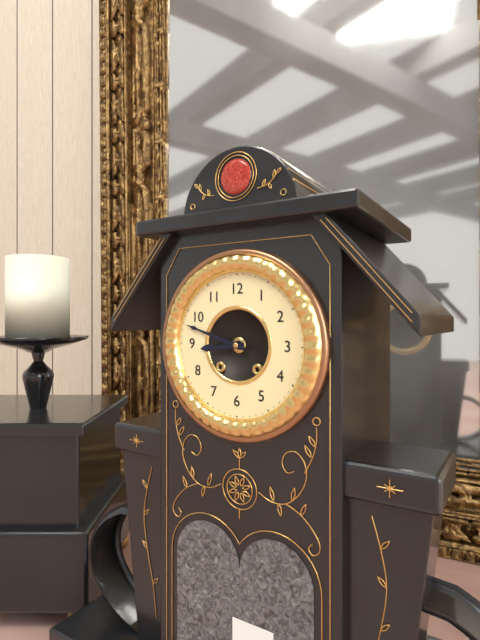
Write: 8:48
